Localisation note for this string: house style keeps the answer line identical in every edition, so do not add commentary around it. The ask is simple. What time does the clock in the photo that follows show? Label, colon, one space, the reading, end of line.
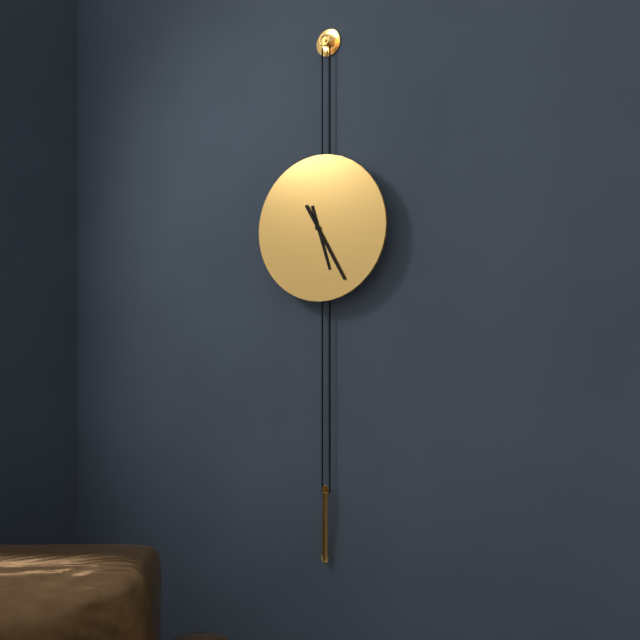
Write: 5:25
